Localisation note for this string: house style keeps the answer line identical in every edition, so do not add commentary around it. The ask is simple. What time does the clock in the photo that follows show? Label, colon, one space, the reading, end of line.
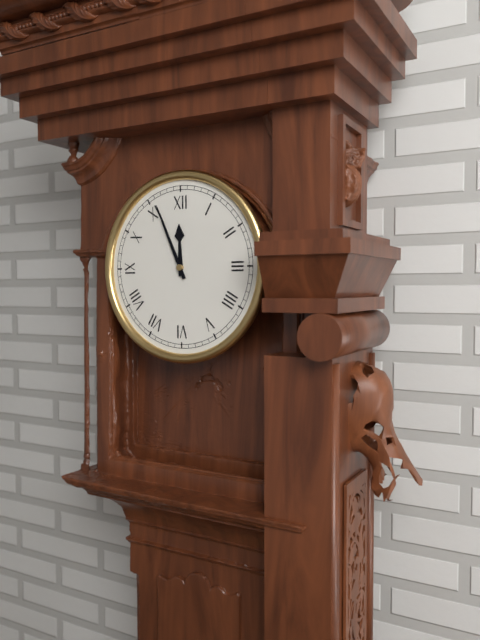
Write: 11:56
